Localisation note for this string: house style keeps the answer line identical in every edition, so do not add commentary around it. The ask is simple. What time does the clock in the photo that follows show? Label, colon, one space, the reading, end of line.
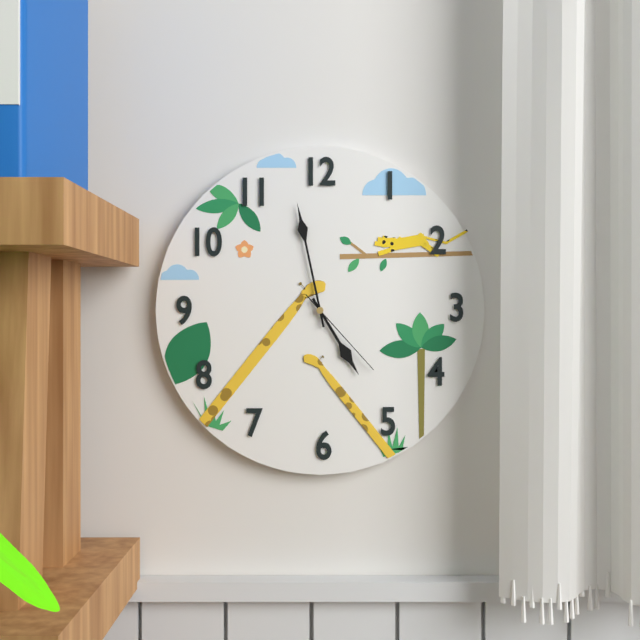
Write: 4:58:23
